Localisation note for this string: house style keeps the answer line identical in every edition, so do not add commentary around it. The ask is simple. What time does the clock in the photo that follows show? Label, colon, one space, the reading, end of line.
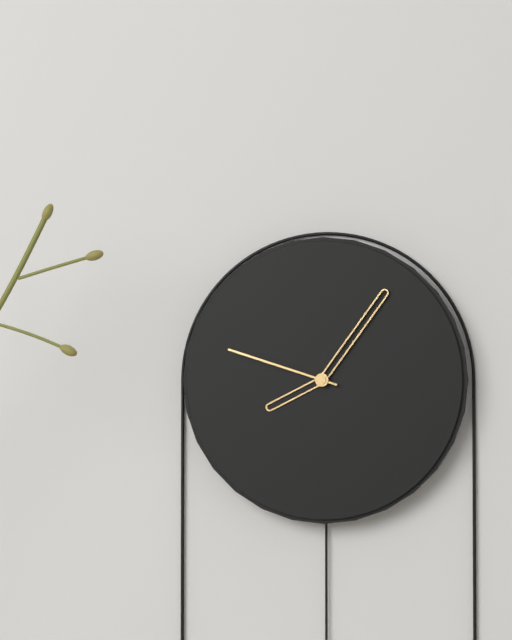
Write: 8:06:48
